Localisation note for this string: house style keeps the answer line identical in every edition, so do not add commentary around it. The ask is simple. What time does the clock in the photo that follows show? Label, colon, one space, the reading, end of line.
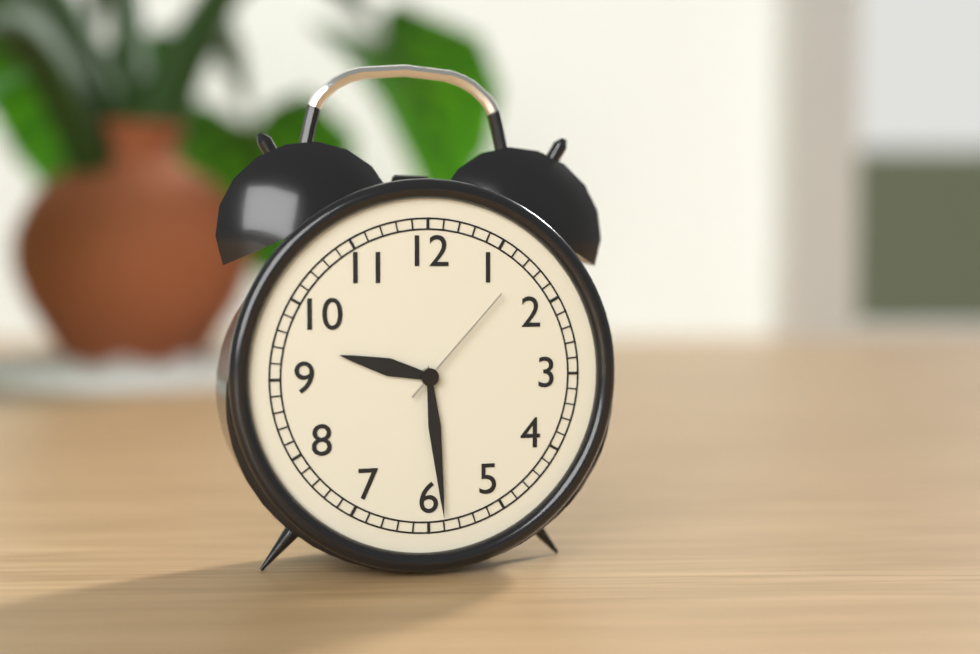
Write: 9:29:07
